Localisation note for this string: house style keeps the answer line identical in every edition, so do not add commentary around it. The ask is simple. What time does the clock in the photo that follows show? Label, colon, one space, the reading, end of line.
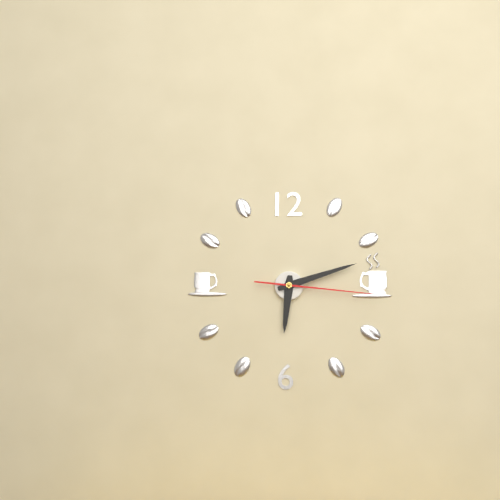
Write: 6:12:16
